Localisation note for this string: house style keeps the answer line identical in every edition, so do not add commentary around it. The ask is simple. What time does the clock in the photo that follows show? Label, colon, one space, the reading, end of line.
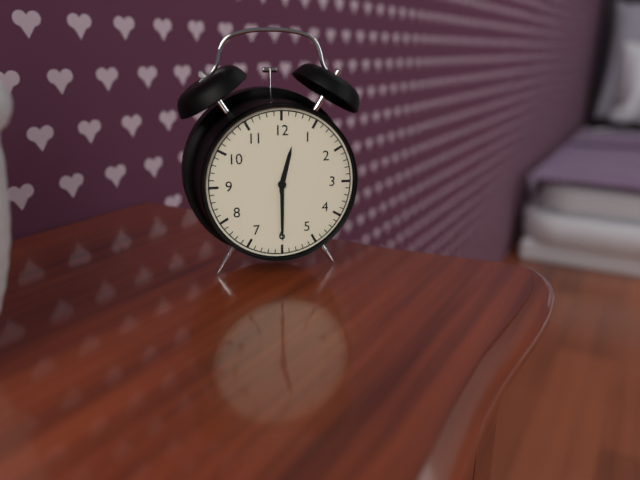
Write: 12:30
